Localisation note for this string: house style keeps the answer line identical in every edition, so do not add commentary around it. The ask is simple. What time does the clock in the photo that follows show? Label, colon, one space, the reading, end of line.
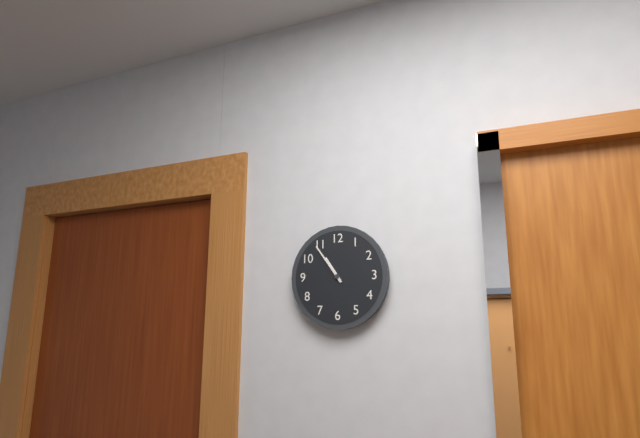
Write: 10:54
